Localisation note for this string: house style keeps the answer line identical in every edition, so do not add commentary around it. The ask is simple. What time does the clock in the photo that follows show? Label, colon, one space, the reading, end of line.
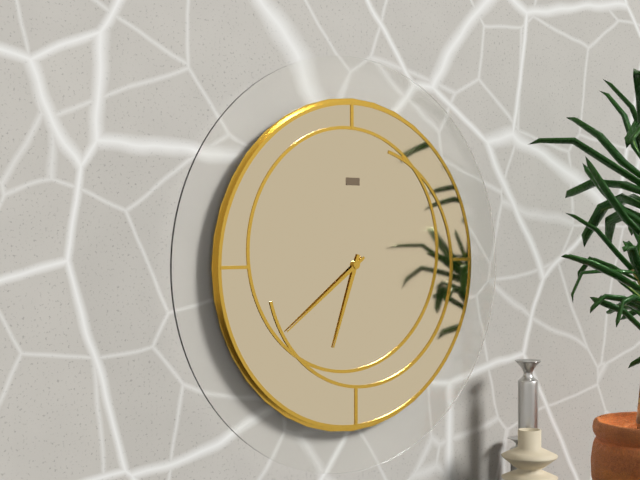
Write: 6:39
